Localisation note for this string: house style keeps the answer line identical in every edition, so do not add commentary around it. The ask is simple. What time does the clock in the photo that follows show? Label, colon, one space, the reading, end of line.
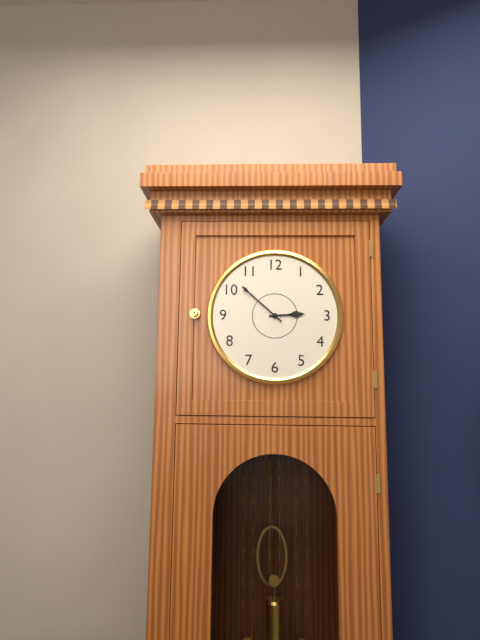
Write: 2:52
